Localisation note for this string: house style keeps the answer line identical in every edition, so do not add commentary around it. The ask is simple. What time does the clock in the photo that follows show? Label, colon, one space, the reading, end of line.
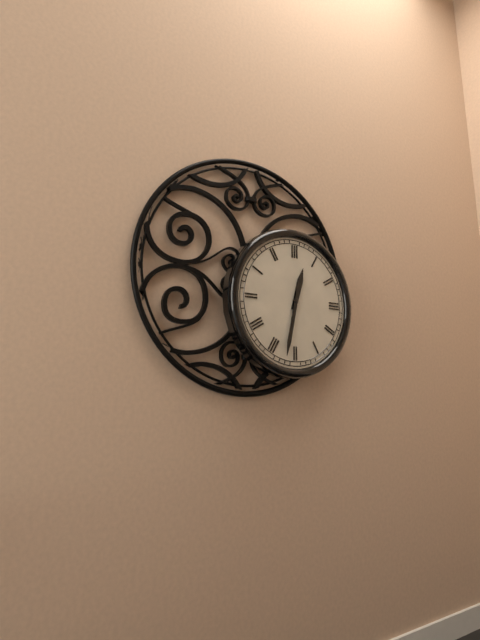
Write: 12:32
